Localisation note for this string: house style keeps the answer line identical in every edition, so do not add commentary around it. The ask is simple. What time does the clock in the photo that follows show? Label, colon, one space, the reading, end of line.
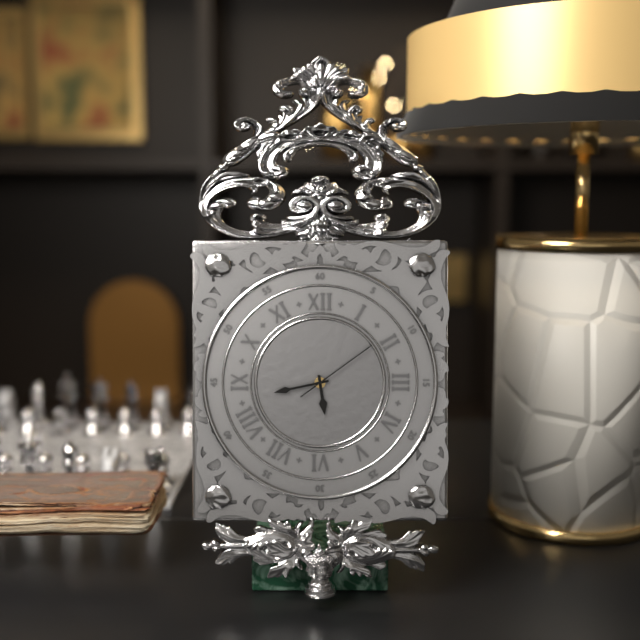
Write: 5:43:09
